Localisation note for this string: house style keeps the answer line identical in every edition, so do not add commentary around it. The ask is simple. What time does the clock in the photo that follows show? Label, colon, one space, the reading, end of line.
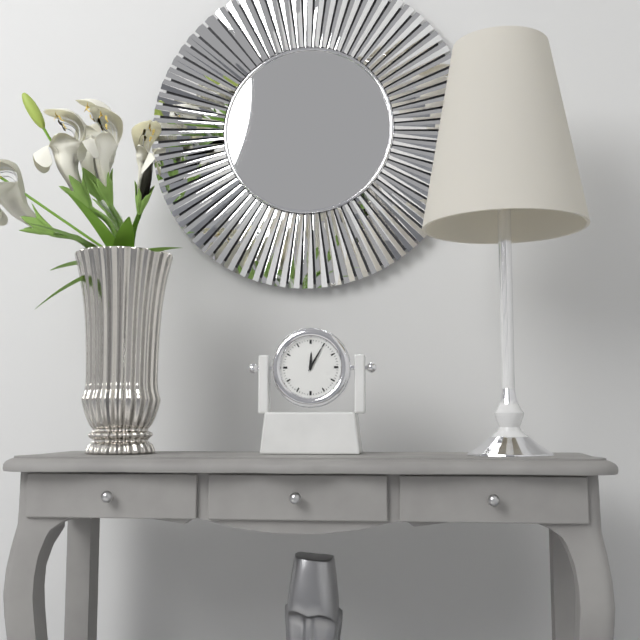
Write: 12:05
